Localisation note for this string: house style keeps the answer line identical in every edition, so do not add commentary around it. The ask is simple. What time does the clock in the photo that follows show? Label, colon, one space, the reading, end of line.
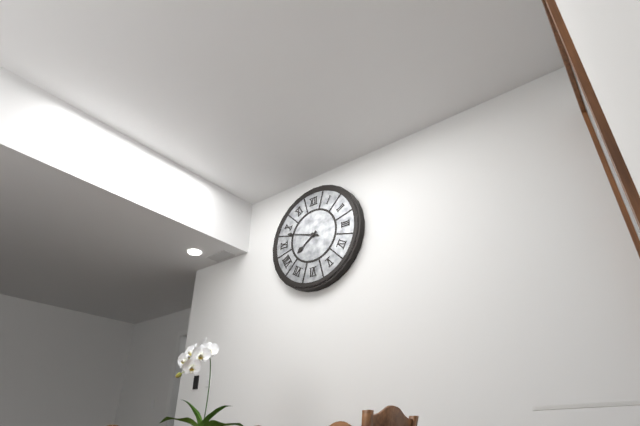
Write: 7:48
